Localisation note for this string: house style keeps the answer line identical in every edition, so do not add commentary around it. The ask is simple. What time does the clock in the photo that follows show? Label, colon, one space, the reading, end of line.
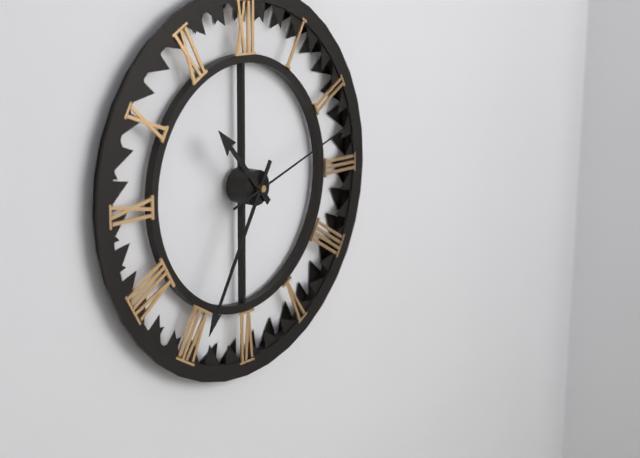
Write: 10:35:12
